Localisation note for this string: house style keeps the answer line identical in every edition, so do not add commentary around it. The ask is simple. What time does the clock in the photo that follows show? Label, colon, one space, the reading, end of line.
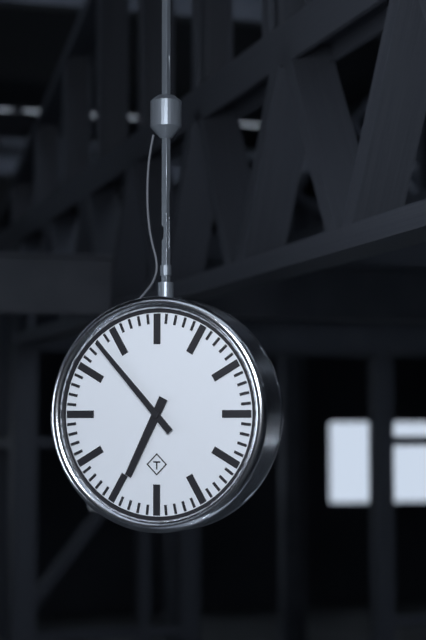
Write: 6:53
